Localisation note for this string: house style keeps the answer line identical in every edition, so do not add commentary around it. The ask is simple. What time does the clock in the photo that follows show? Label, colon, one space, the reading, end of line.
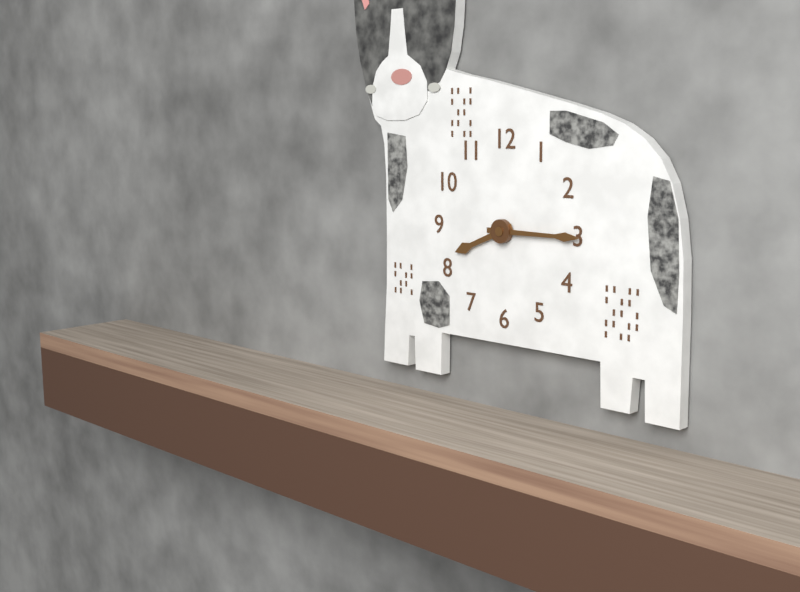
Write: 8:15
